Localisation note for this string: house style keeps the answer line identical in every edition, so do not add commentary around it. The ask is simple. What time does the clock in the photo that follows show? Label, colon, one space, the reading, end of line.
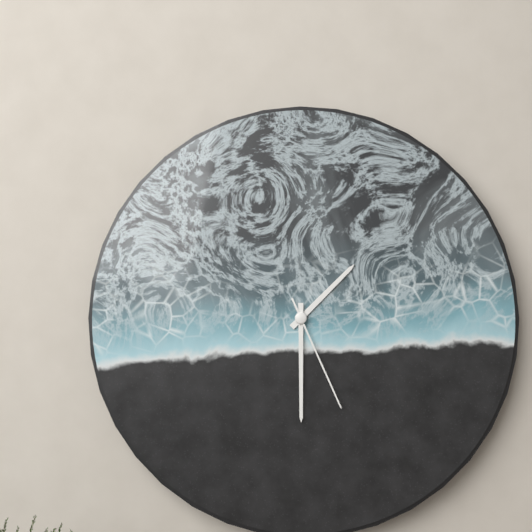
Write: 1:30:26
